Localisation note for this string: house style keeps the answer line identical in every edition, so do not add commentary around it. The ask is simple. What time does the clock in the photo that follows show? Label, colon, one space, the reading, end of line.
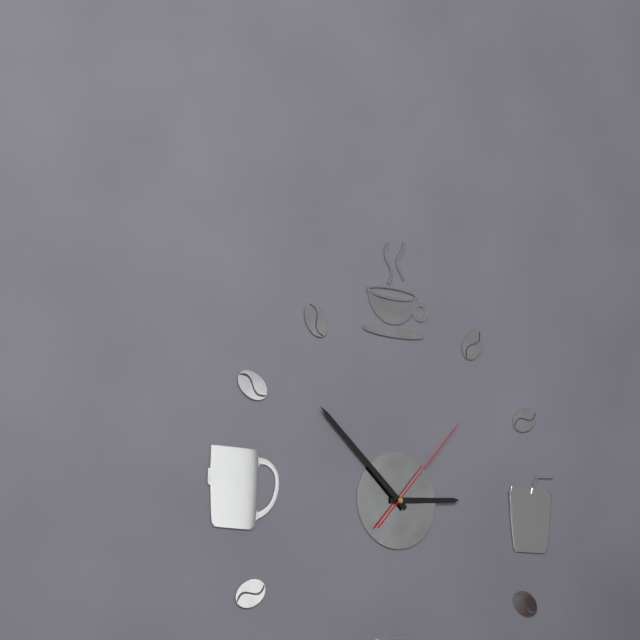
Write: 2:52:07
